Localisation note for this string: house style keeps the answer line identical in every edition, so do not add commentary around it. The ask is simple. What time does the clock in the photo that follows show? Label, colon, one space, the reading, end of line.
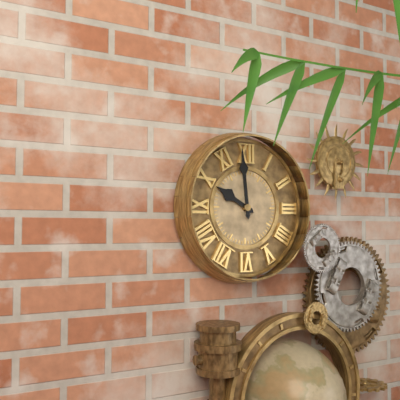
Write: 9:59
